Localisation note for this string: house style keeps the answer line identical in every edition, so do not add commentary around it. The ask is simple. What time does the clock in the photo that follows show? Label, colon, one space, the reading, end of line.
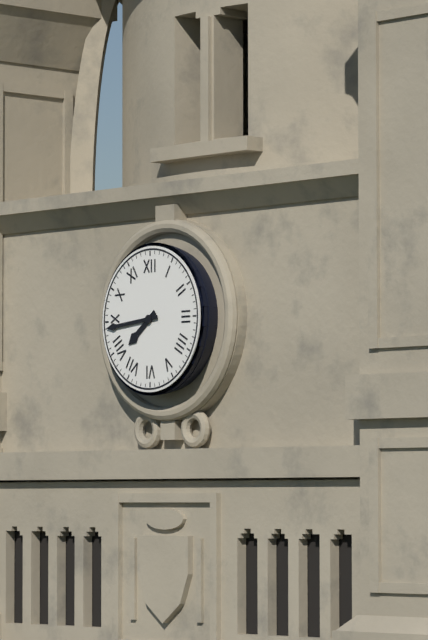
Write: 7:44
